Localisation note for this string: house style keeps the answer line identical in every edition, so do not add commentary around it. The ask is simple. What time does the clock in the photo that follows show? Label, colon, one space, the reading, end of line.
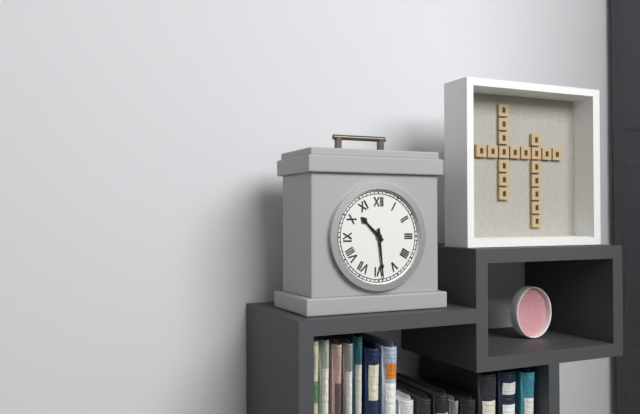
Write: 10:29
